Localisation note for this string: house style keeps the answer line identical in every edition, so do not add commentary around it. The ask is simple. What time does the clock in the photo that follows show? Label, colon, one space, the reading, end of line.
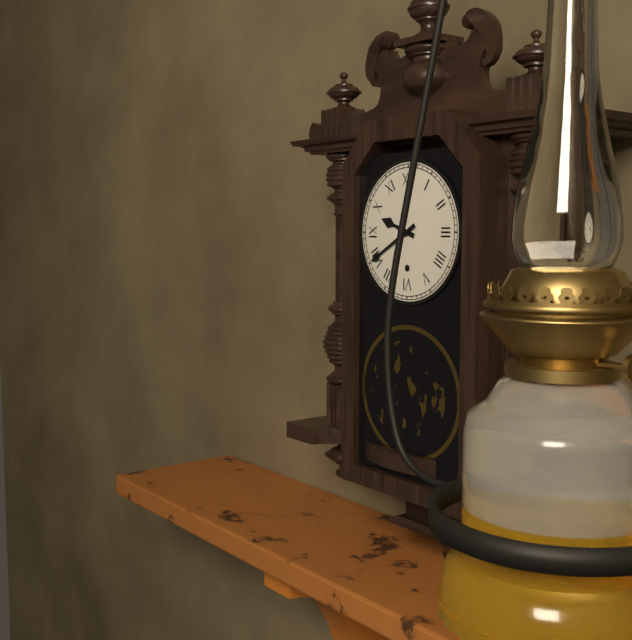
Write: 9:40
